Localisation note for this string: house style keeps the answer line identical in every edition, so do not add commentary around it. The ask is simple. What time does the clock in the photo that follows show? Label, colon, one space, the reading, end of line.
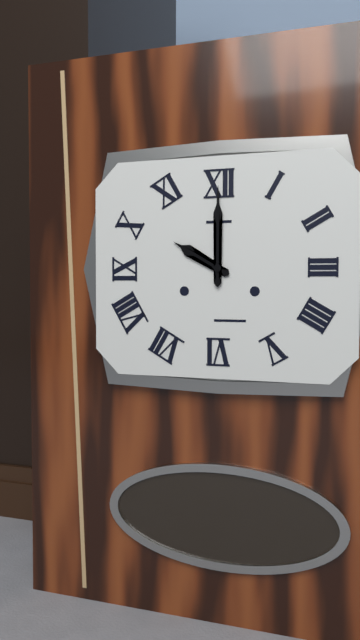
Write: 10:00
